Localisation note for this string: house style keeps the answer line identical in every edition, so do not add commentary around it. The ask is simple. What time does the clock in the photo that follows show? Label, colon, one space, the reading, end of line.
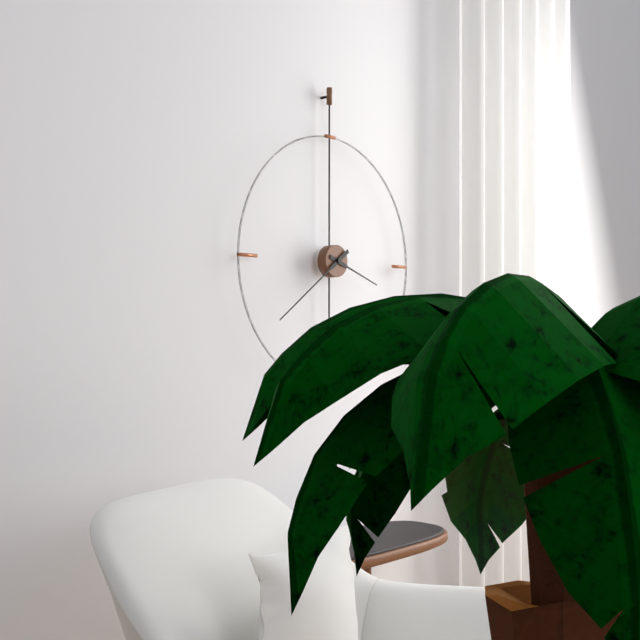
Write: 3:39
